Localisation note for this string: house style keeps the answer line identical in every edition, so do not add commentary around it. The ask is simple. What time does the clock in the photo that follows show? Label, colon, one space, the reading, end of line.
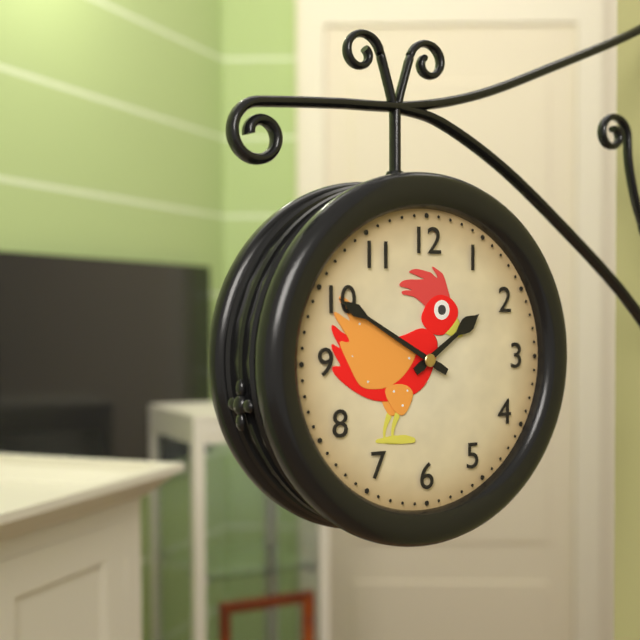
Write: 1:50
